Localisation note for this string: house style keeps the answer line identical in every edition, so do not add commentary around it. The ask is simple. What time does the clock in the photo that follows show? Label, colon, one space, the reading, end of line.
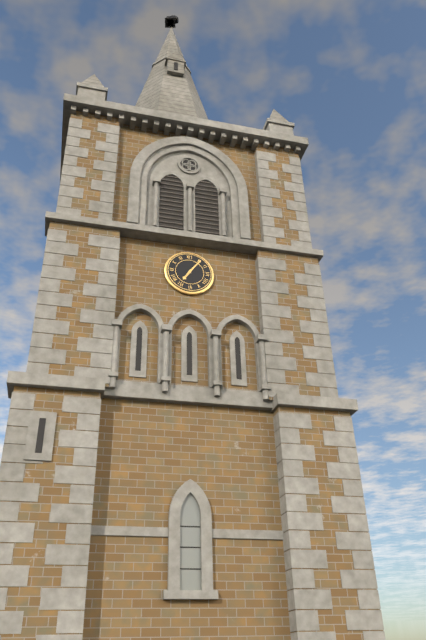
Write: 7:06
